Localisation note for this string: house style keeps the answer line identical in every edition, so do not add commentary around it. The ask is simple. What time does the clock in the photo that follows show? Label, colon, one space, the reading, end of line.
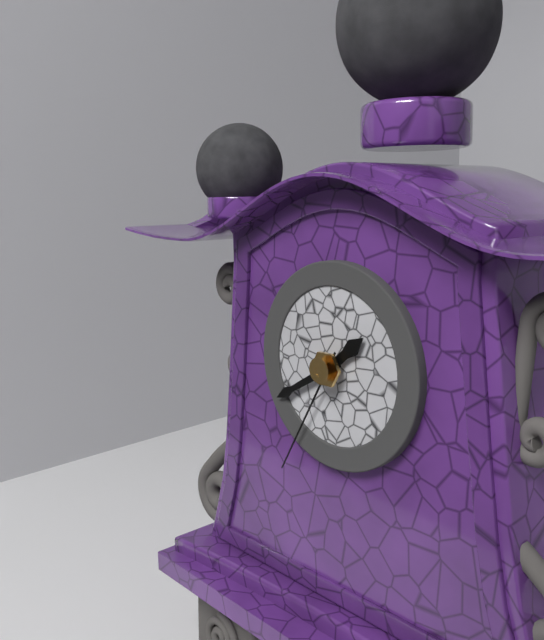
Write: 1:40:35
